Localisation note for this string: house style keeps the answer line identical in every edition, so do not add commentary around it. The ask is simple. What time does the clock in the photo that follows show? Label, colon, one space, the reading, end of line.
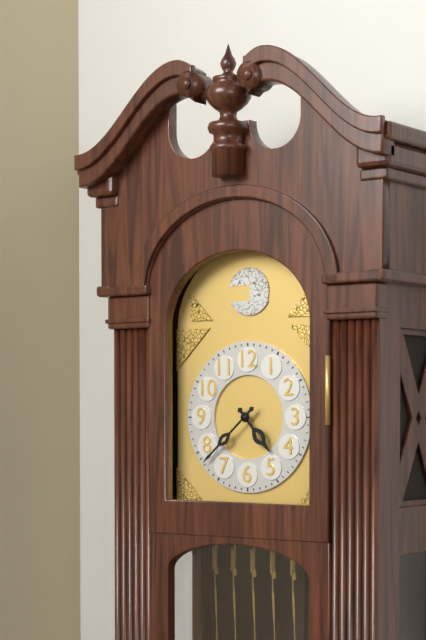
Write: 4:38
